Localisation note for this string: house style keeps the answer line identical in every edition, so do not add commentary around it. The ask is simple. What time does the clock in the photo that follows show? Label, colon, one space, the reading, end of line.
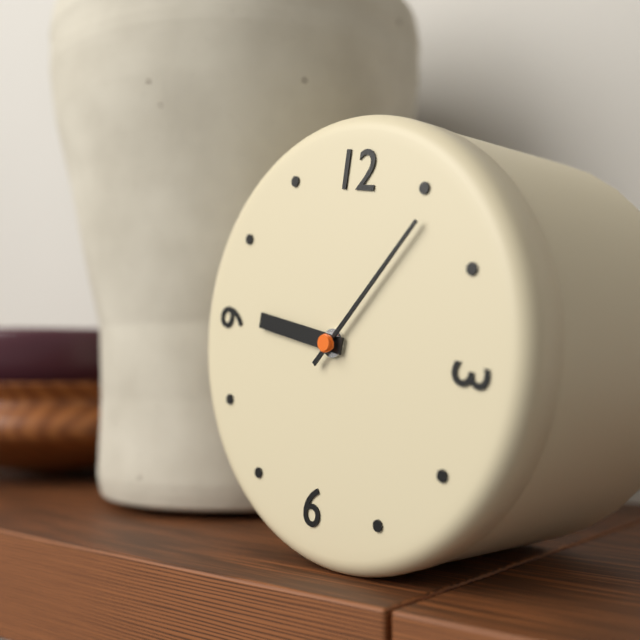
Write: 9:06
